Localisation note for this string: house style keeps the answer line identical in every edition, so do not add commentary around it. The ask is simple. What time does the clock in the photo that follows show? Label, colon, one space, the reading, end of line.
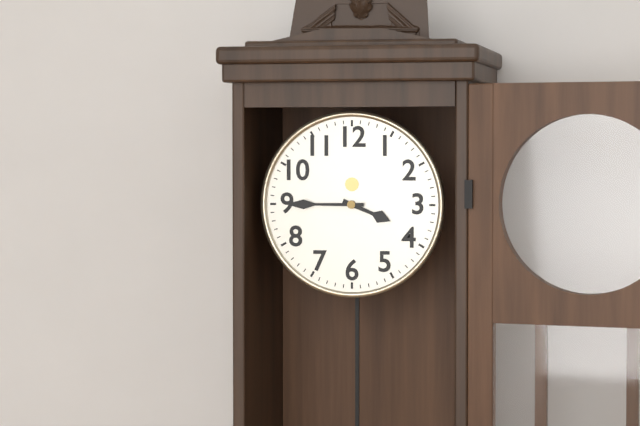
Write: 3:45
